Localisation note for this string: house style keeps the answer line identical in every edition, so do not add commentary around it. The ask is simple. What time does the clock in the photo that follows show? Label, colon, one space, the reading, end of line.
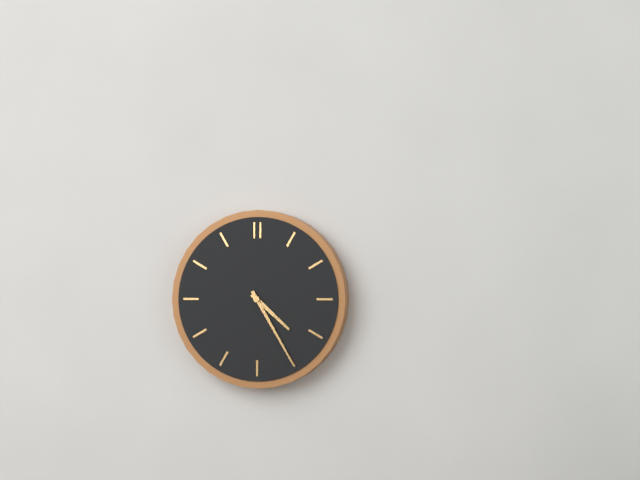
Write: 4:25
